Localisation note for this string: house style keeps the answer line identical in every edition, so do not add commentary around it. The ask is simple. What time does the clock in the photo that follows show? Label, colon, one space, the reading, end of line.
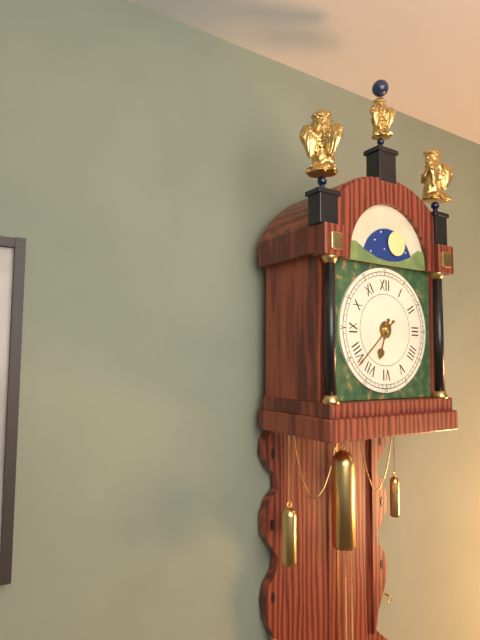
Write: 6:38
